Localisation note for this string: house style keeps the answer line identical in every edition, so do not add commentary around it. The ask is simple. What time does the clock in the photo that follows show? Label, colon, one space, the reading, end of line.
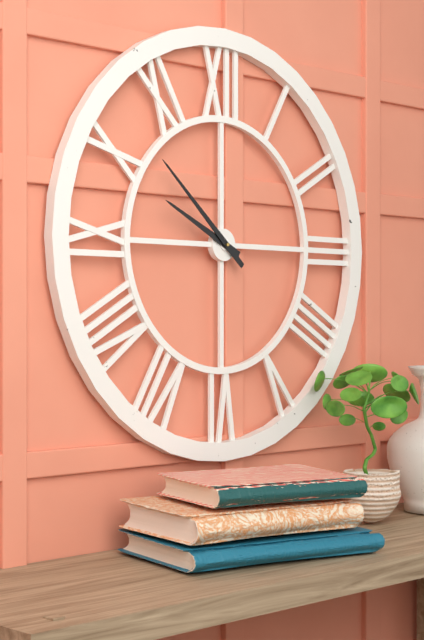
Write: 9:52
